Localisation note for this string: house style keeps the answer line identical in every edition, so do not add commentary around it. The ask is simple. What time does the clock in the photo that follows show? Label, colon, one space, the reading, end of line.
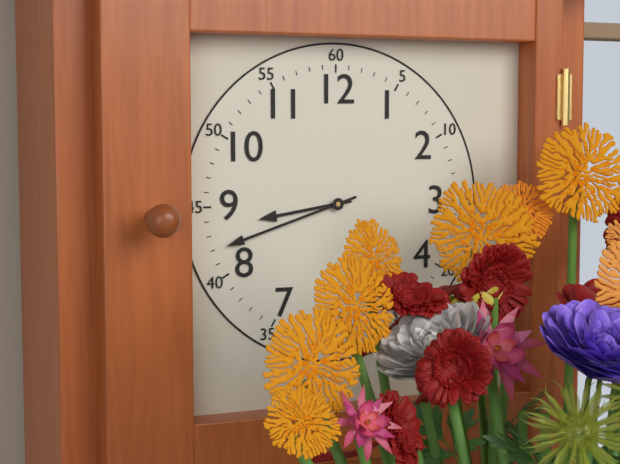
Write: 8:42
